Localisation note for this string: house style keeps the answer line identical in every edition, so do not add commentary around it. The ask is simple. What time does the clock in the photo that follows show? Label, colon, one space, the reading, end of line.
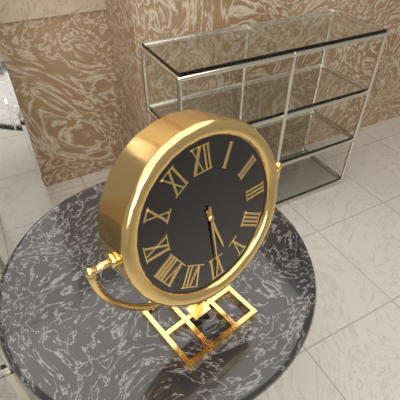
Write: 5:30
